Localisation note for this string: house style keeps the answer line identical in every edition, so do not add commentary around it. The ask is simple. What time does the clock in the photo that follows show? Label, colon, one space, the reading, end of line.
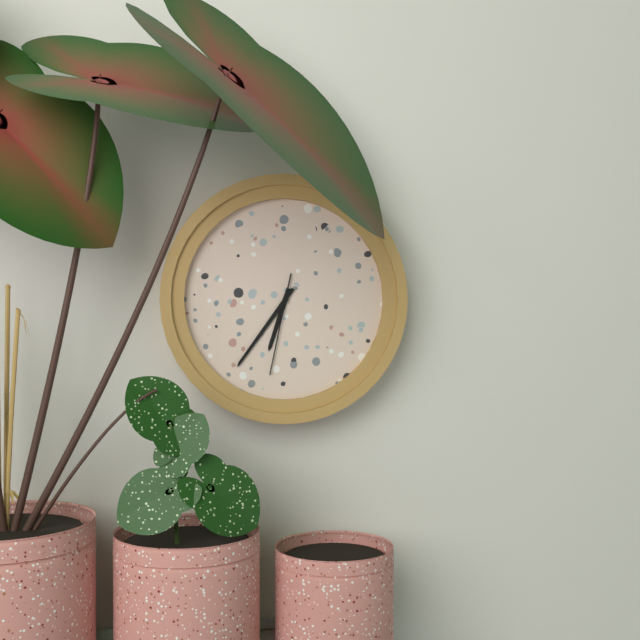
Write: 6:36:32
